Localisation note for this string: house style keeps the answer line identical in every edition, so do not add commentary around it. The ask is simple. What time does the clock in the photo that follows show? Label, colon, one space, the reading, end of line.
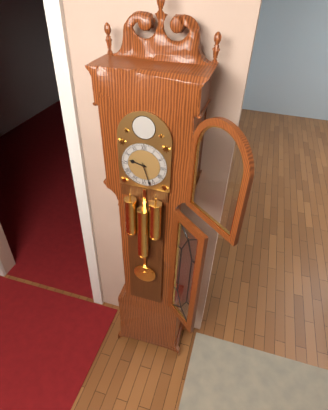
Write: 9:27
